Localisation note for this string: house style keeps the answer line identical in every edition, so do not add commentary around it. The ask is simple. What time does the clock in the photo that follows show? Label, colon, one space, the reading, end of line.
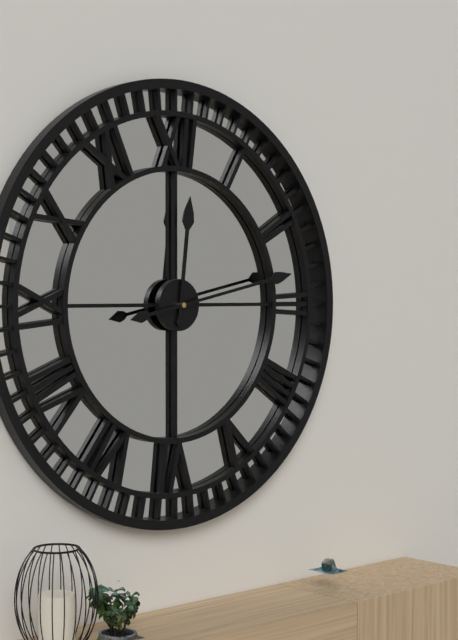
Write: 12:13
